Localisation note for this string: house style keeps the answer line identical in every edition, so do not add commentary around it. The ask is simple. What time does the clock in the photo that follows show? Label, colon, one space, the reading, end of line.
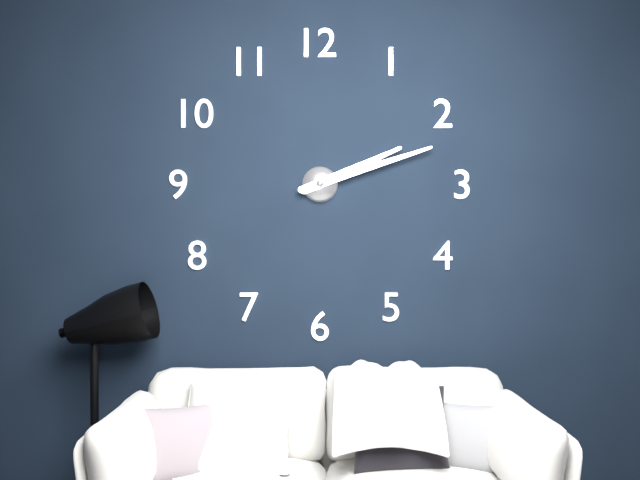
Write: 2:12
